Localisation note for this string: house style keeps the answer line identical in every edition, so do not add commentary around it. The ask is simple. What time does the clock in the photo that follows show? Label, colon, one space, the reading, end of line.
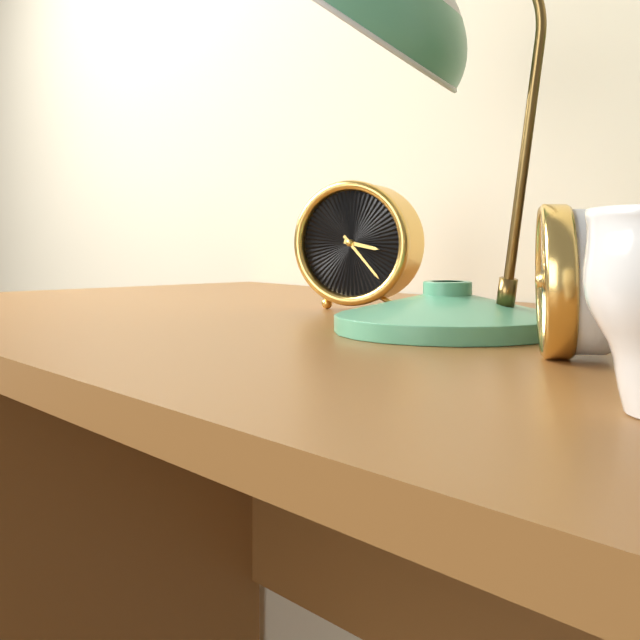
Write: 3:23
